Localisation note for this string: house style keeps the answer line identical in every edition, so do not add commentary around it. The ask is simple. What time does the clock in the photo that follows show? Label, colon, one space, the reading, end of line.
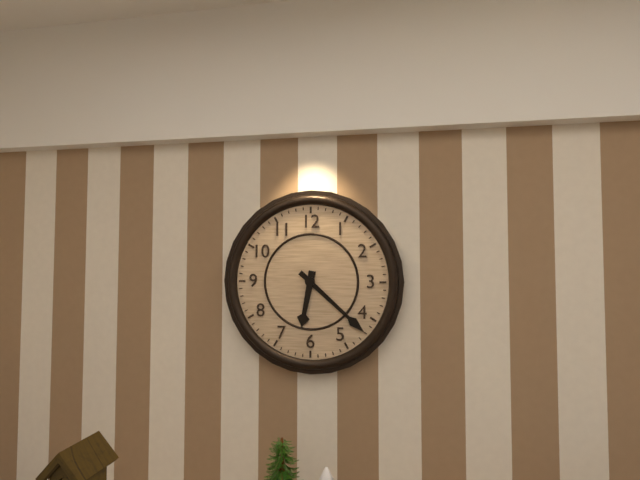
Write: 6:22
